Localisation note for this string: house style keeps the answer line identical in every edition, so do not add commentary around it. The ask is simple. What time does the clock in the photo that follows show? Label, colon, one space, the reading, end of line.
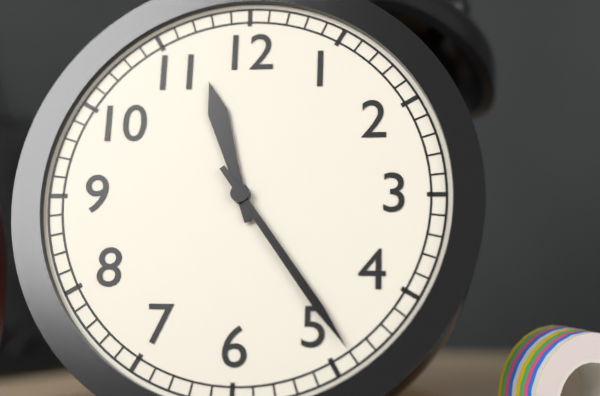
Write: 11:24
